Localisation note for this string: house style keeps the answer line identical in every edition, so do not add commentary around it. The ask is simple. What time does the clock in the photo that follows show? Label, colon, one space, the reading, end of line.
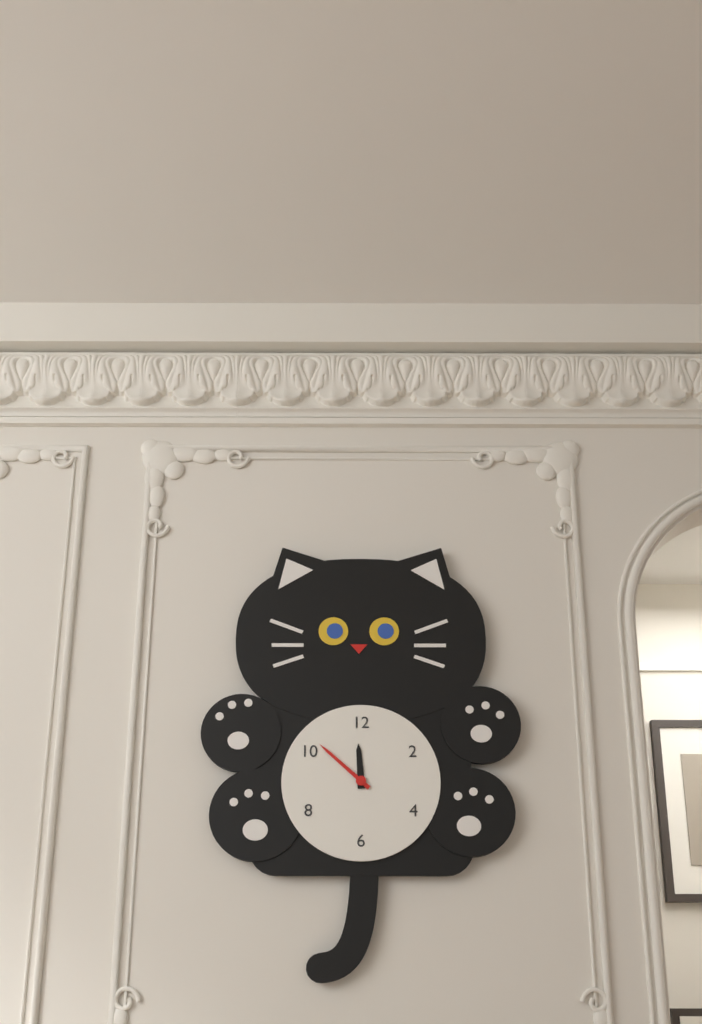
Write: 11:52
